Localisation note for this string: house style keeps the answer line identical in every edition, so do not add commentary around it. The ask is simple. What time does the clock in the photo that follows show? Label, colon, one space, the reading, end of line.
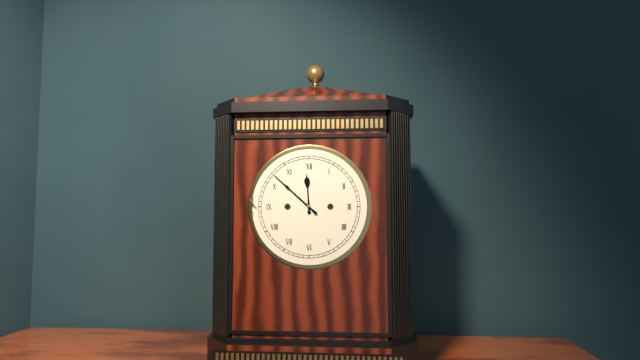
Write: 11:52
